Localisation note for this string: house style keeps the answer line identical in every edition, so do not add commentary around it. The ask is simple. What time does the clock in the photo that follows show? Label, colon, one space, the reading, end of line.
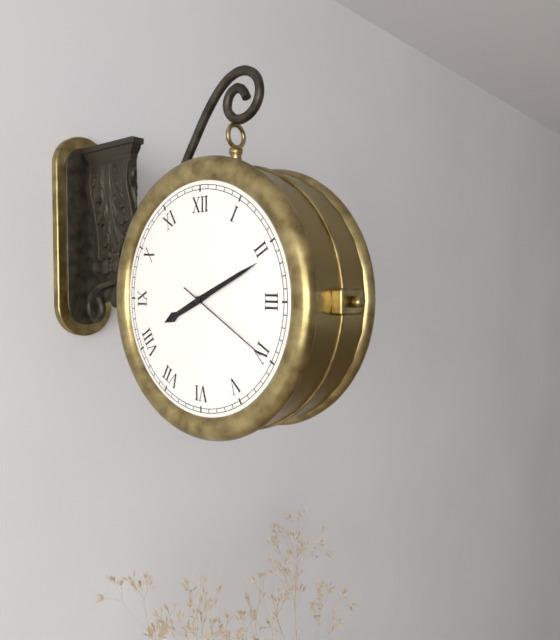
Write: 8:11:20
